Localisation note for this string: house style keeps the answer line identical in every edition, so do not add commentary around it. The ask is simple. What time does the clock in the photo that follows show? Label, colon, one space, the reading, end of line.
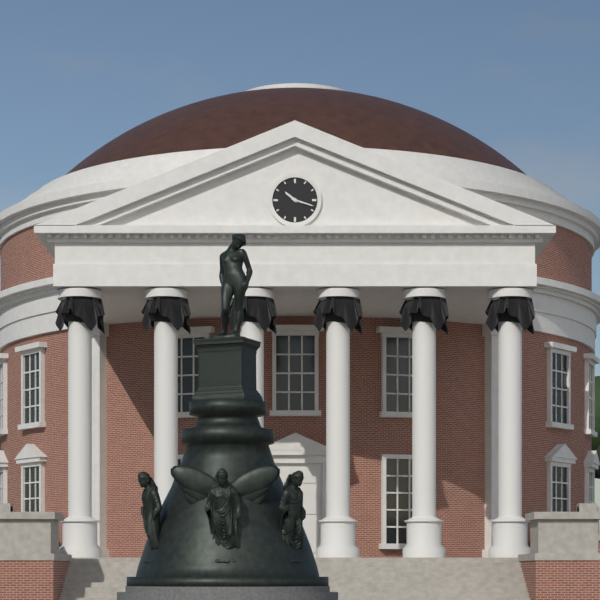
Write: 10:18
